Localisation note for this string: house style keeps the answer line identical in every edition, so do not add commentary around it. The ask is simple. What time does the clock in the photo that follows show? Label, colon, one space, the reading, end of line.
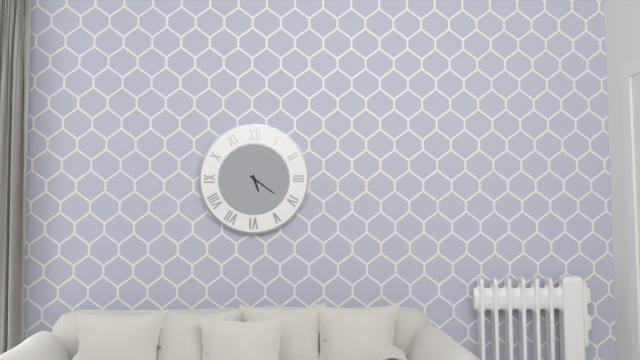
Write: 5:21
